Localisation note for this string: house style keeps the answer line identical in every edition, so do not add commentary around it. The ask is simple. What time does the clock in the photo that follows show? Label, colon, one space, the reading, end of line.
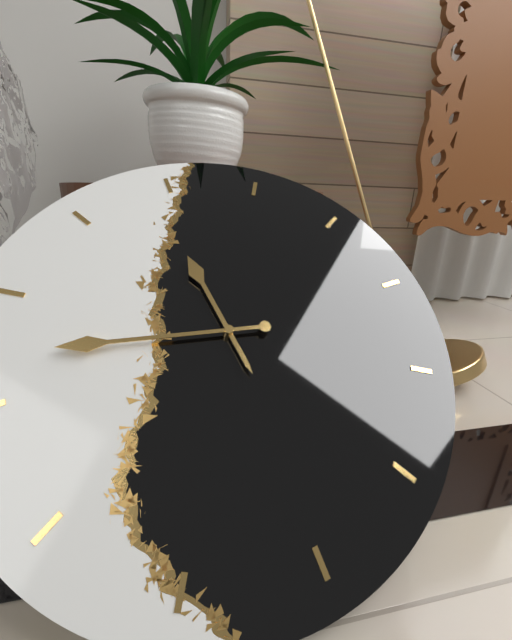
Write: 11:47
